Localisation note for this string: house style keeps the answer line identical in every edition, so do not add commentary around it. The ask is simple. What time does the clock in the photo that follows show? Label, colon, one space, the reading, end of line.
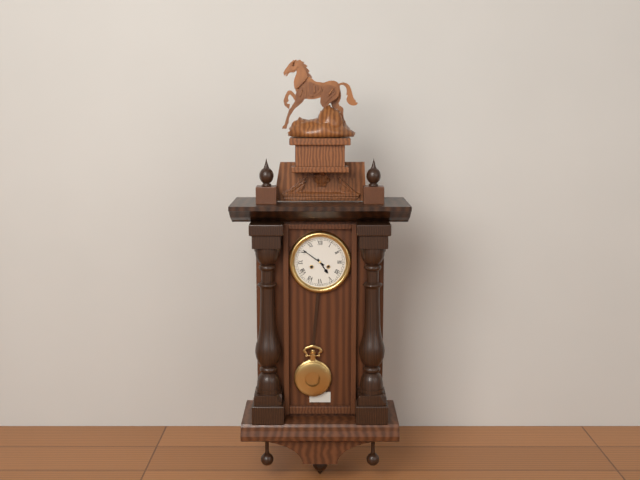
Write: 4:51
